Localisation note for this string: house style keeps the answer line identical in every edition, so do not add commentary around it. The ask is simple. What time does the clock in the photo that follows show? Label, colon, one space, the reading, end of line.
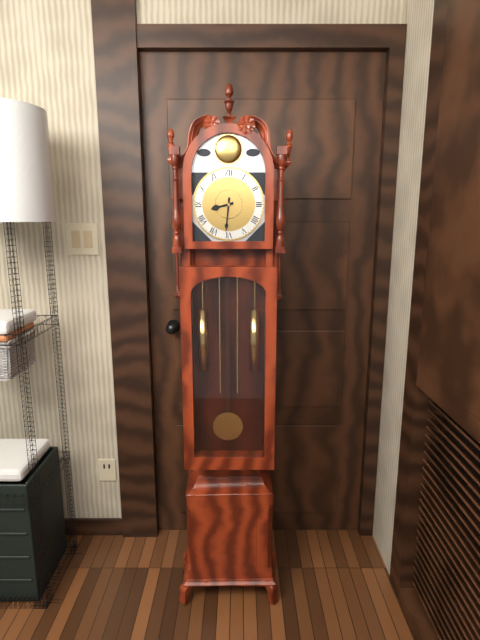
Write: 8:31
